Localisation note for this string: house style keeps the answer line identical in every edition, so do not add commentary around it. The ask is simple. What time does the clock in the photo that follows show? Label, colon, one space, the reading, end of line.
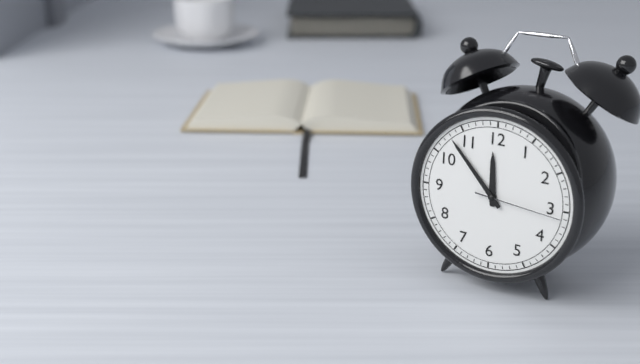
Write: 11:53:16
